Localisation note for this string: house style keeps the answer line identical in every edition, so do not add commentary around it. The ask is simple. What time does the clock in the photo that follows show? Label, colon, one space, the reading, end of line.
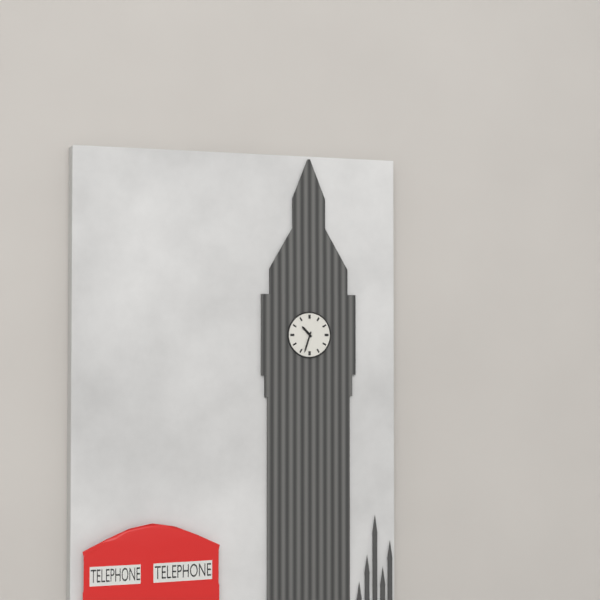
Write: 10:33
